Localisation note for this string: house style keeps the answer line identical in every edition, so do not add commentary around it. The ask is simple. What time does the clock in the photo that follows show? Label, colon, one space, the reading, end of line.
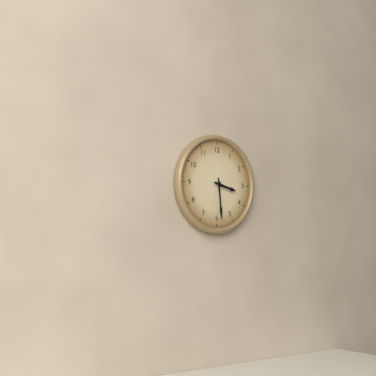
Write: 3:29
